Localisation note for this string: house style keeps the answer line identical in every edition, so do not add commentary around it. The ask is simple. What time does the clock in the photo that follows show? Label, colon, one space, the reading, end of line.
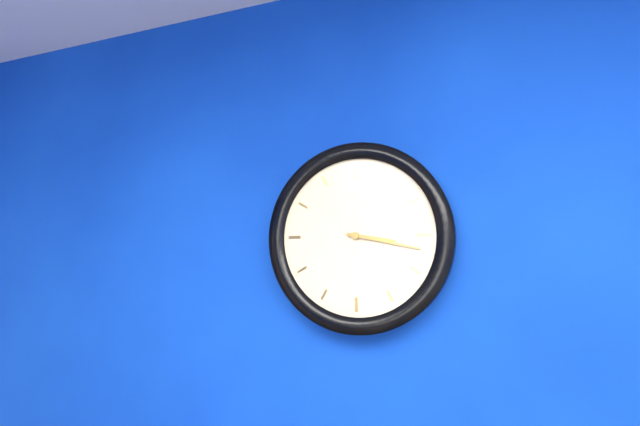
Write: 3:17
